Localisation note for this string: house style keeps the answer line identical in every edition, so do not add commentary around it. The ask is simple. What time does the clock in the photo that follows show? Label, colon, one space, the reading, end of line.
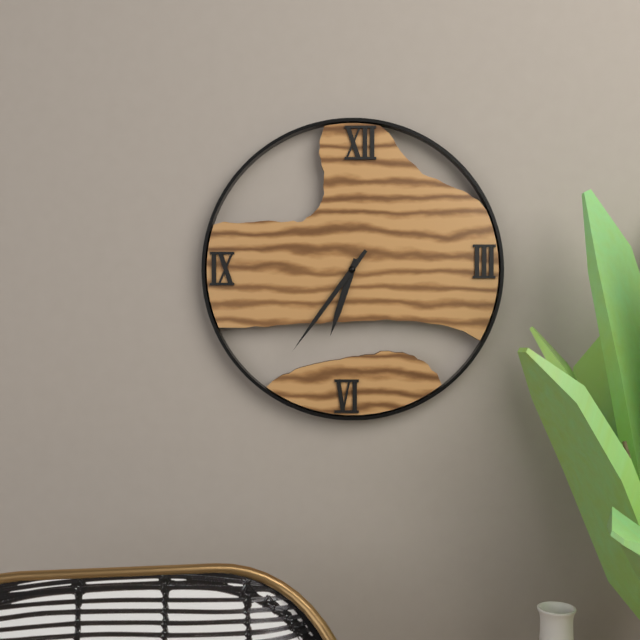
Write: 6:36
